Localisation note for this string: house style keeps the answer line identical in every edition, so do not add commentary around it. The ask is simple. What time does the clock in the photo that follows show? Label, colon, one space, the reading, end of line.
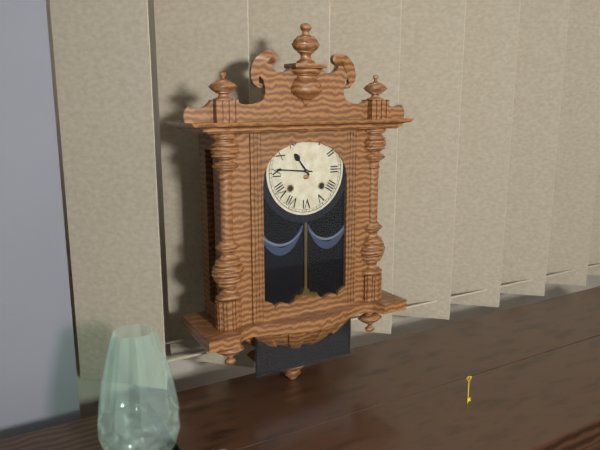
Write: 10:46
